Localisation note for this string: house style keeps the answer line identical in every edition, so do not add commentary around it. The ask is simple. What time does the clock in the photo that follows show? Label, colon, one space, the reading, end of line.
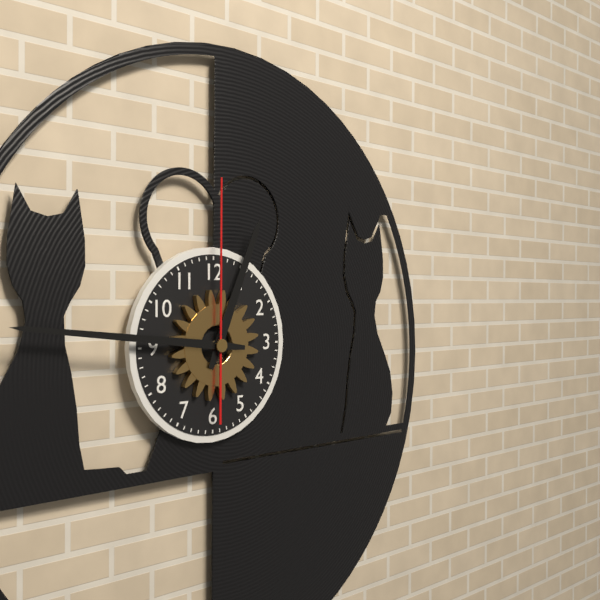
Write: 12:46:00
